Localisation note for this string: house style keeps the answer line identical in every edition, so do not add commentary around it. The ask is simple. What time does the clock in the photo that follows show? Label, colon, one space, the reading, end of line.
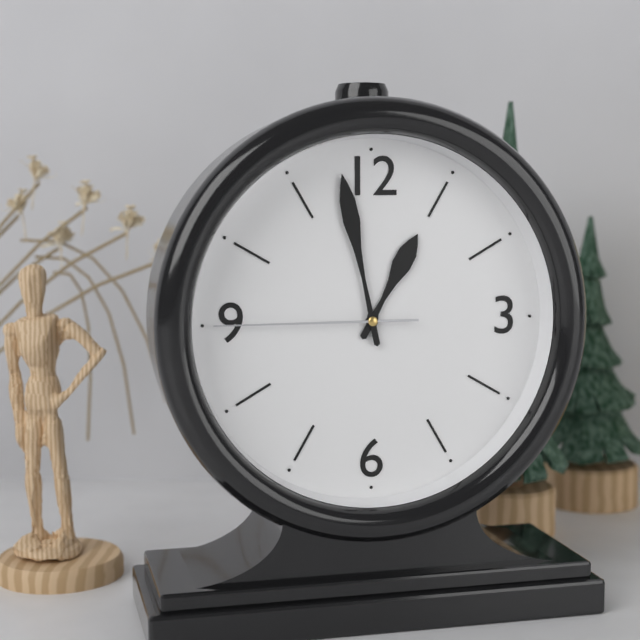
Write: 12:58:45
